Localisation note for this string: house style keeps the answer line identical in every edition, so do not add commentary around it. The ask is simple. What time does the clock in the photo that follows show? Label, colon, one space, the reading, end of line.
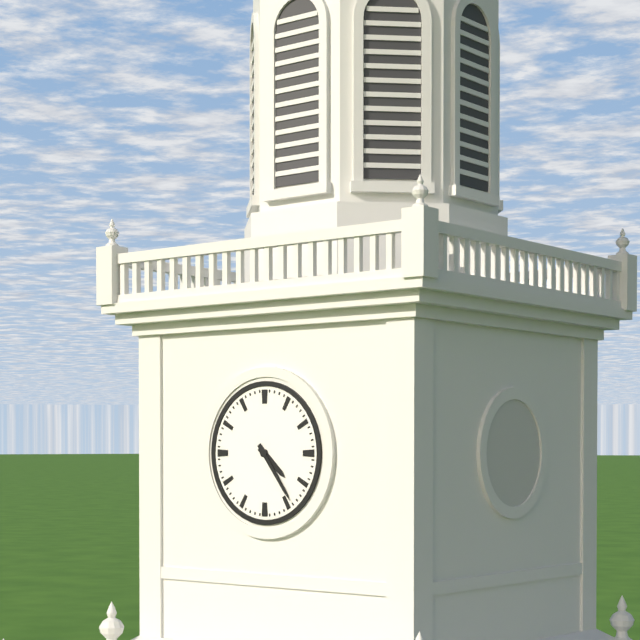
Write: 4:24
